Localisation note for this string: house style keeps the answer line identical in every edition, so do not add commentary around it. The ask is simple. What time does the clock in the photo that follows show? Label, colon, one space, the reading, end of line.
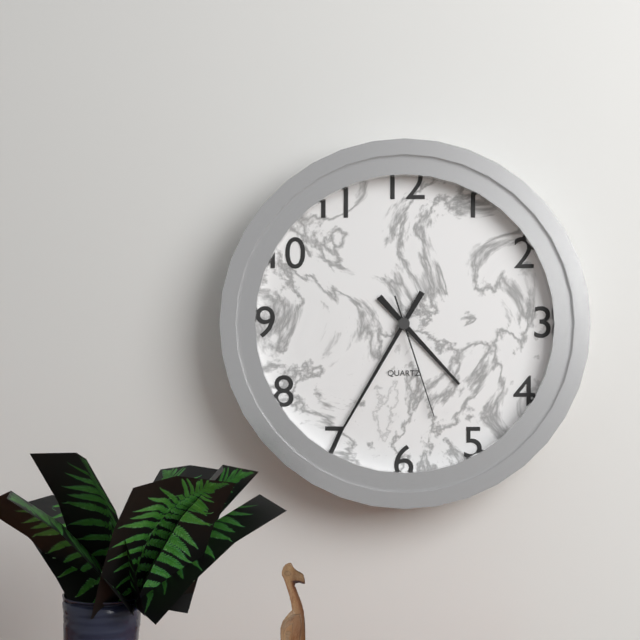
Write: 4:35:27
